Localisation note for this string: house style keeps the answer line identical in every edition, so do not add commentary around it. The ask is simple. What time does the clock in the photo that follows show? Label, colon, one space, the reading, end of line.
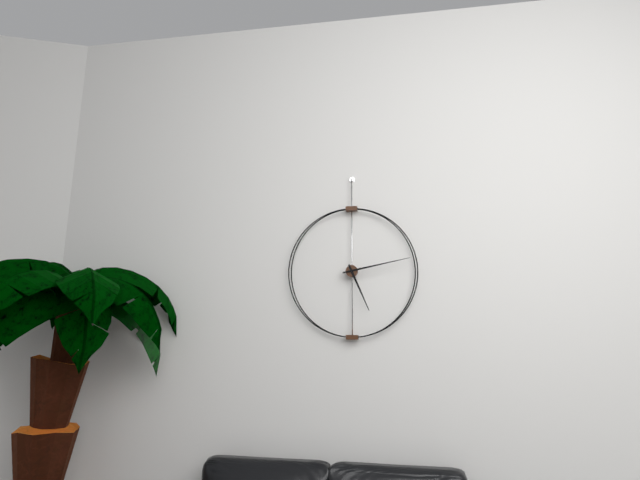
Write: 5:13
